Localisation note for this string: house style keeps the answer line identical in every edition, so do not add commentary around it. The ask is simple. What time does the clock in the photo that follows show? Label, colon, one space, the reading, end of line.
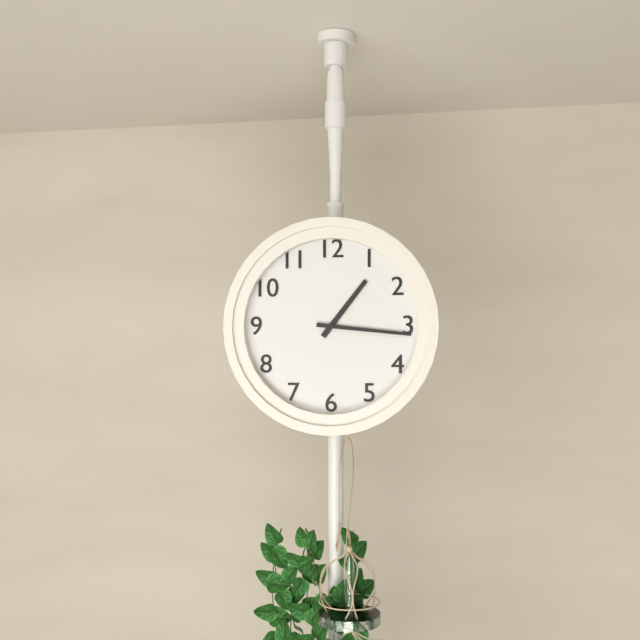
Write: 1:16
